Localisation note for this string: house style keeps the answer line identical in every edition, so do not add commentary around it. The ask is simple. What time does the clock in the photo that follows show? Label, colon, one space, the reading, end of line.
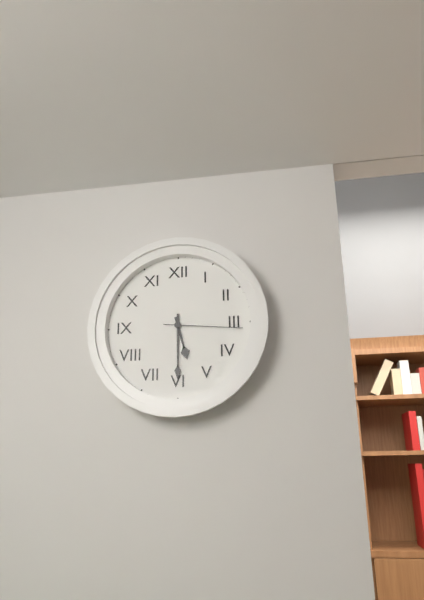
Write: 5:30:16
